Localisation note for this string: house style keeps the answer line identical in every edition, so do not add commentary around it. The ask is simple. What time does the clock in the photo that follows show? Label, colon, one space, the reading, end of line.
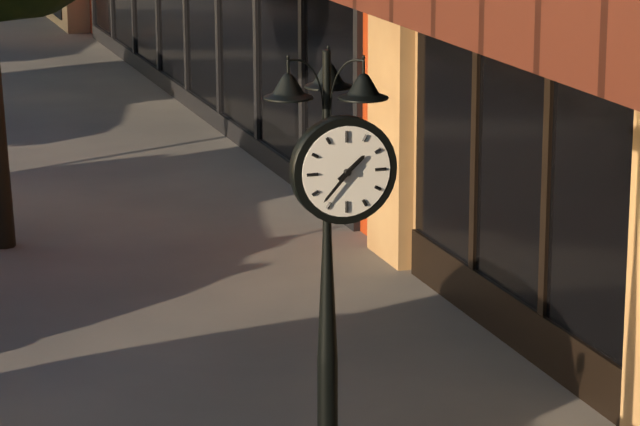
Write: 1:37
